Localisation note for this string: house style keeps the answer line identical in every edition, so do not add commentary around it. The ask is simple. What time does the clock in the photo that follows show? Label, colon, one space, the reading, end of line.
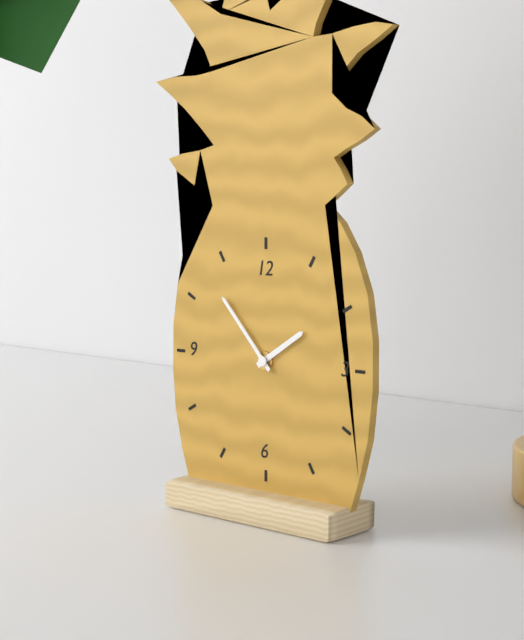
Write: 1:53
